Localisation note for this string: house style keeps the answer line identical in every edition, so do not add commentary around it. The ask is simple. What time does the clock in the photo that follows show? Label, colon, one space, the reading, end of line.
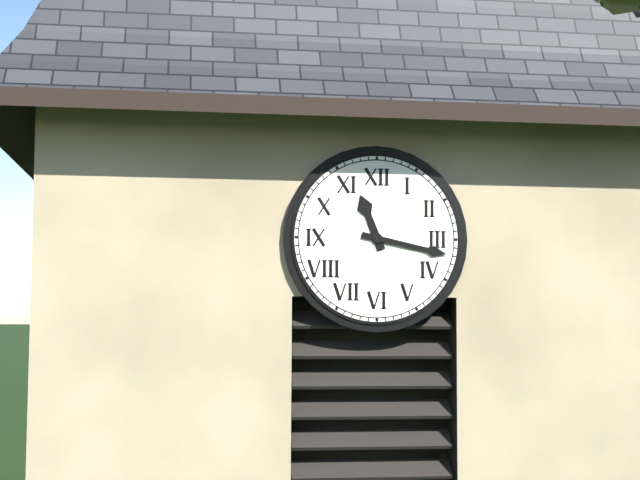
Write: 11:17
